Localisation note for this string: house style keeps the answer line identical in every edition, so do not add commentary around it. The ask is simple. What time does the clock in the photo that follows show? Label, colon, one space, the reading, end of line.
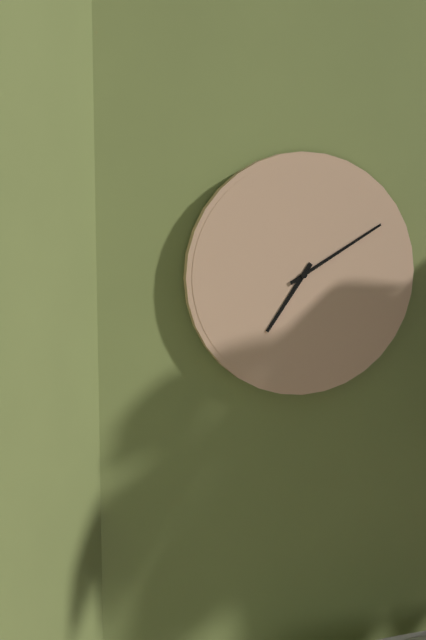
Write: 7:10
